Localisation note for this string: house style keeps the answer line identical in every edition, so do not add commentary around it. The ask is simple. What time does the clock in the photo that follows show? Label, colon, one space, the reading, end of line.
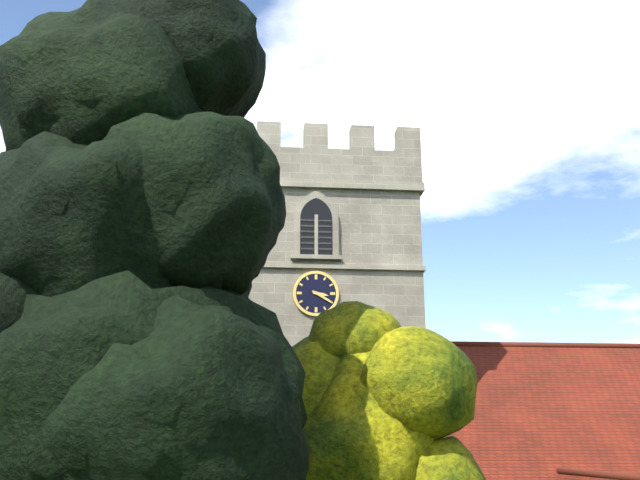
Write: 3:20
